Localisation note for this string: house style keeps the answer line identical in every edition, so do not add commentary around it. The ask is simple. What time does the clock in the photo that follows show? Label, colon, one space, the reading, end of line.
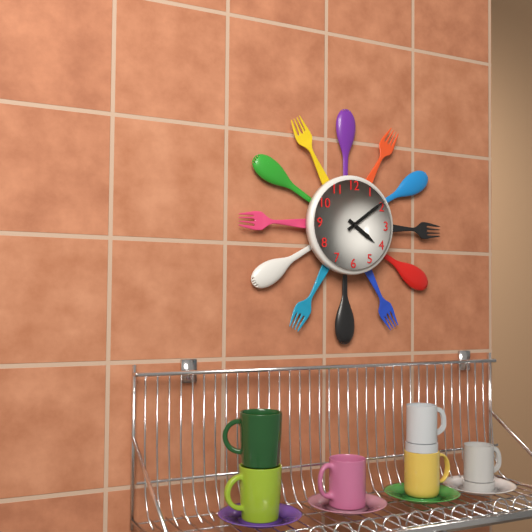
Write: 4:09
